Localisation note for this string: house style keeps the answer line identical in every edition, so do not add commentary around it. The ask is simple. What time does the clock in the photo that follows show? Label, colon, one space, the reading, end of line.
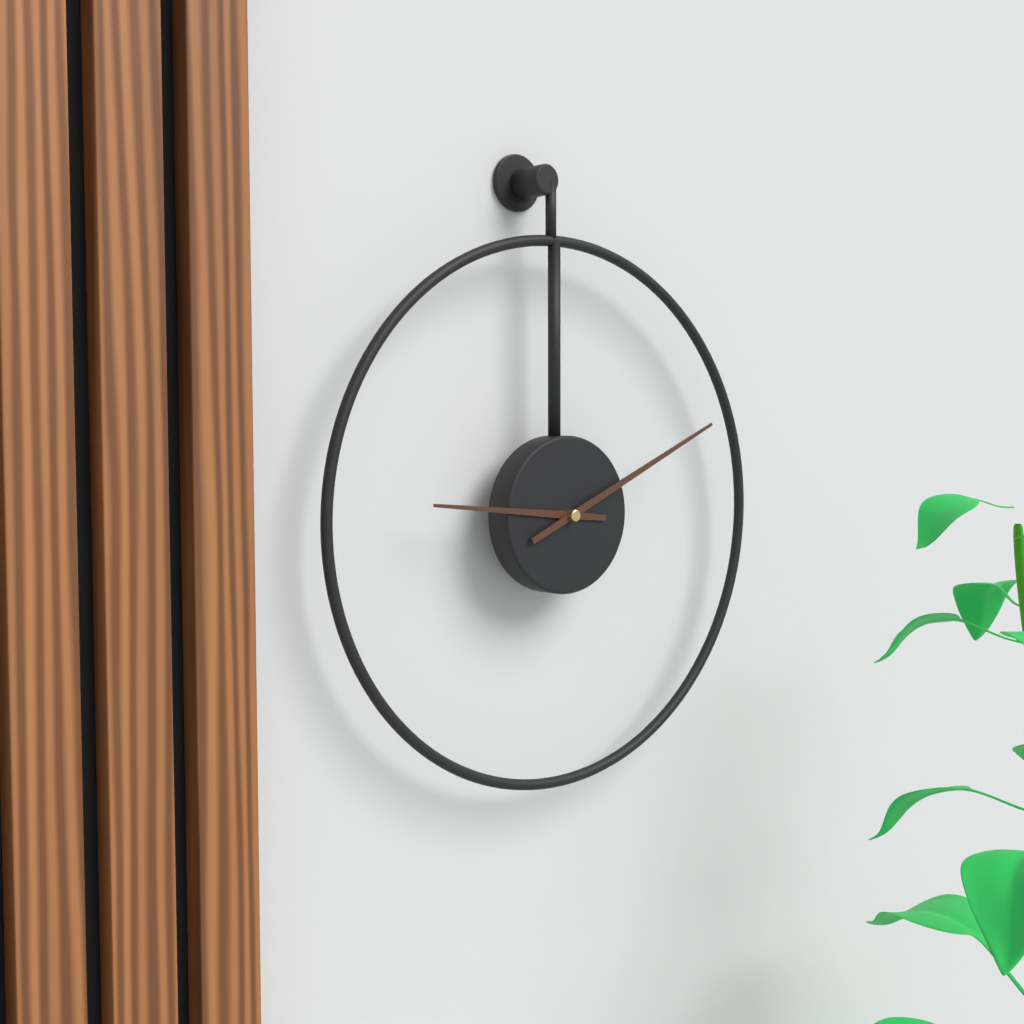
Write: 9:11
